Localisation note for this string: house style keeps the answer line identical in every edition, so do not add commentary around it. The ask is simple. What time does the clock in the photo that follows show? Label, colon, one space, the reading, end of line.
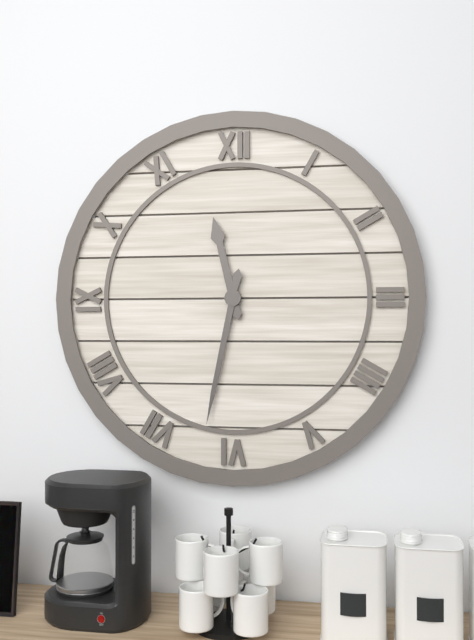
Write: 11:32
